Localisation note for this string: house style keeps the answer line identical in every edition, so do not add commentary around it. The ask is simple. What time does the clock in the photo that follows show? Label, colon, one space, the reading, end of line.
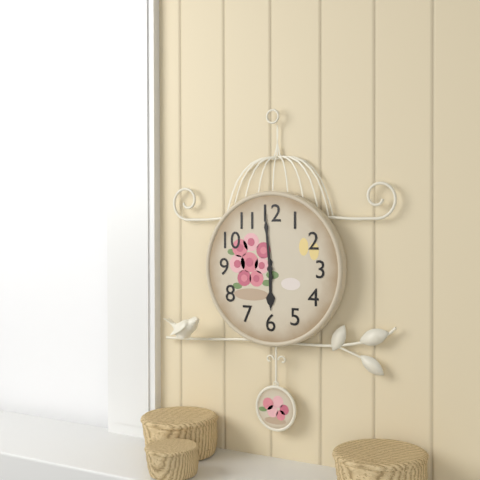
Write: 5:59
